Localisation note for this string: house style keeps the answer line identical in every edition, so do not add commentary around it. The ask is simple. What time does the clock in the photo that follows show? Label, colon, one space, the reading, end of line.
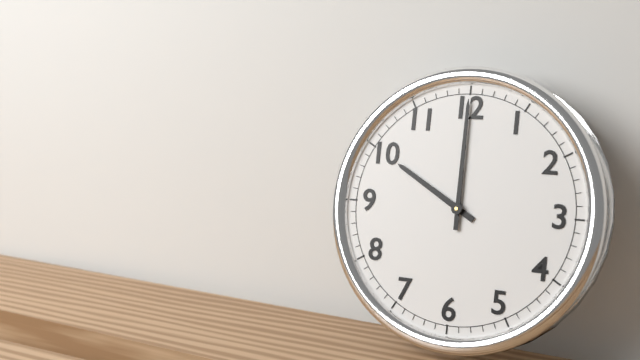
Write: 10:00
